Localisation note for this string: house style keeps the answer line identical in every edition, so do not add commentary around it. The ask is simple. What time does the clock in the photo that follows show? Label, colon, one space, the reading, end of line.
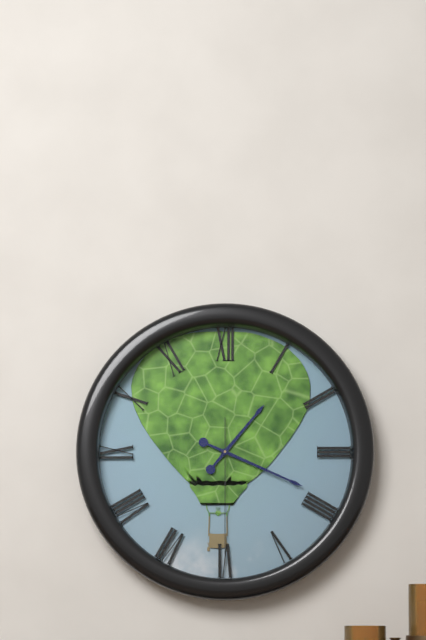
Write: 1:19:30
